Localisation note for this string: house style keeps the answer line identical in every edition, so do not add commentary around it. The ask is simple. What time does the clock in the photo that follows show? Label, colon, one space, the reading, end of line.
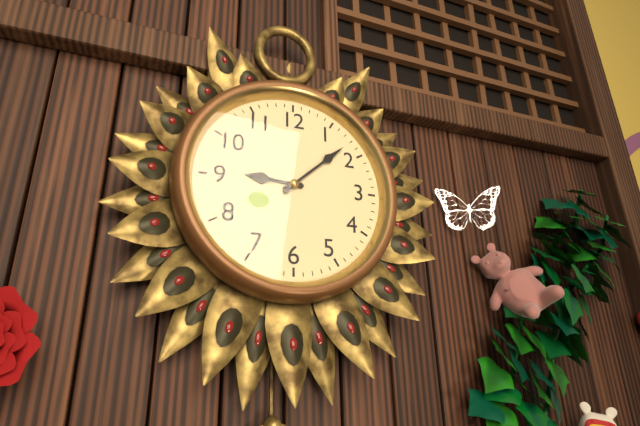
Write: 9:08
